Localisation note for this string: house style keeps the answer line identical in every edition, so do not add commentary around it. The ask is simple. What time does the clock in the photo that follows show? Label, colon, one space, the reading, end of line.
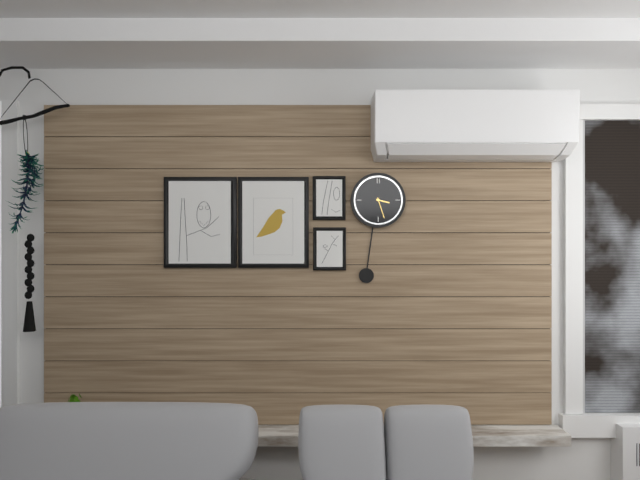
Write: 3:27
